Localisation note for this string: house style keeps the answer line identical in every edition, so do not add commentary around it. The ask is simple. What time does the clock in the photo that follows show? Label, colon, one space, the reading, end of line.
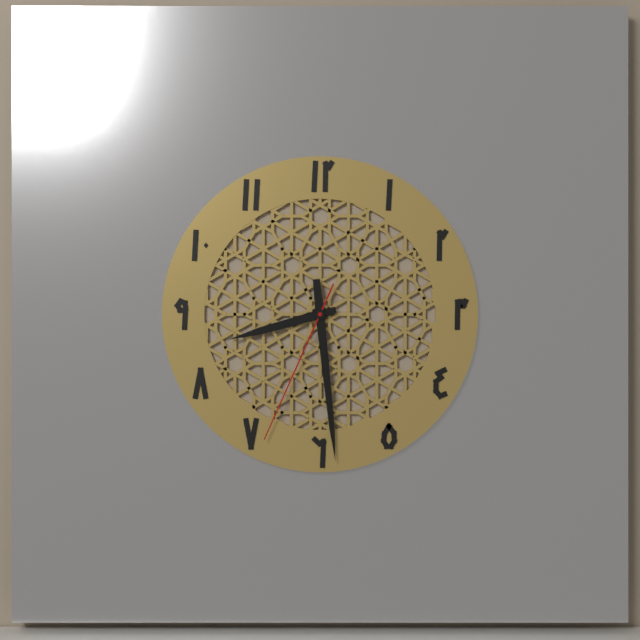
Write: 8:29:34
